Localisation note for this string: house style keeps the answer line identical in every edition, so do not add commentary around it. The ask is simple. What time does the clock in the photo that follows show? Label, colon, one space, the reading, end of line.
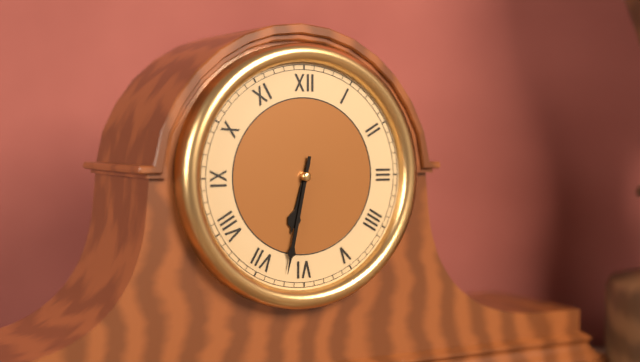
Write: 6:32
